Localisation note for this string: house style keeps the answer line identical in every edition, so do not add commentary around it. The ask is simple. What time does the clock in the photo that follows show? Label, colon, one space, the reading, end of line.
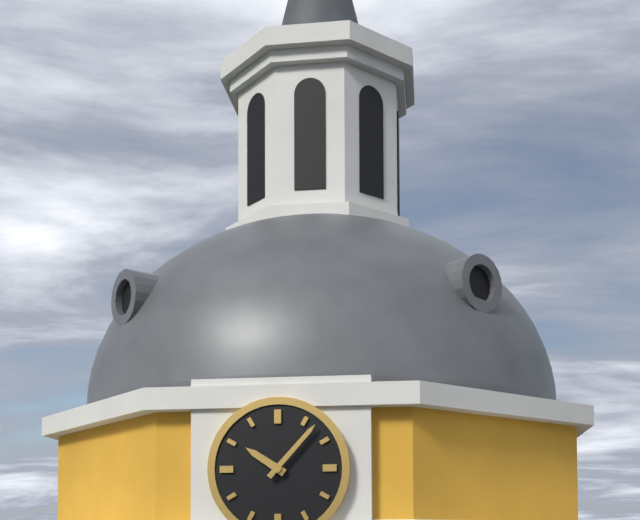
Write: 10:07
